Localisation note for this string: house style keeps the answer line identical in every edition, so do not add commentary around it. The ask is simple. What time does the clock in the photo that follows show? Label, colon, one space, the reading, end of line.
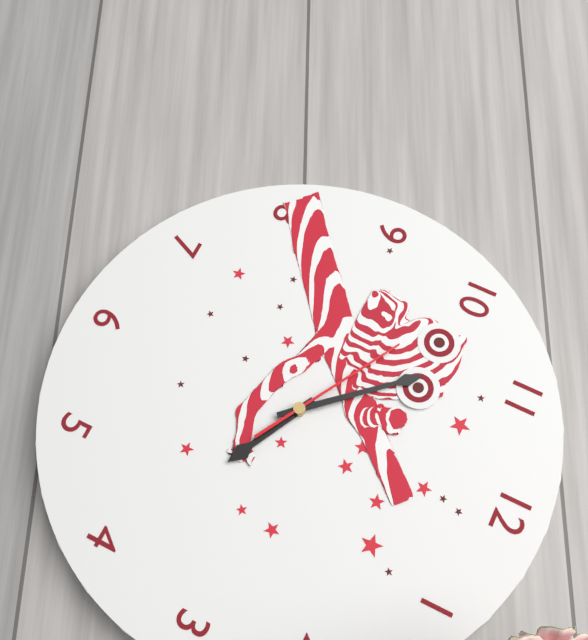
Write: 3:53:50
